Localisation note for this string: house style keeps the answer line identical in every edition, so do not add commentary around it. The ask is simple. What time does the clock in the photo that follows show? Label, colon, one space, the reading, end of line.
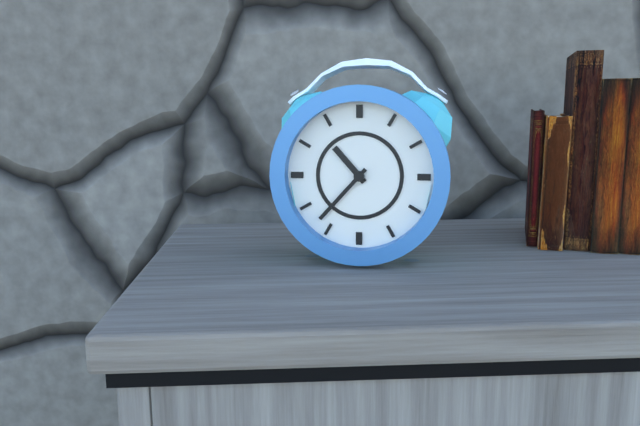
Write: 10:37
